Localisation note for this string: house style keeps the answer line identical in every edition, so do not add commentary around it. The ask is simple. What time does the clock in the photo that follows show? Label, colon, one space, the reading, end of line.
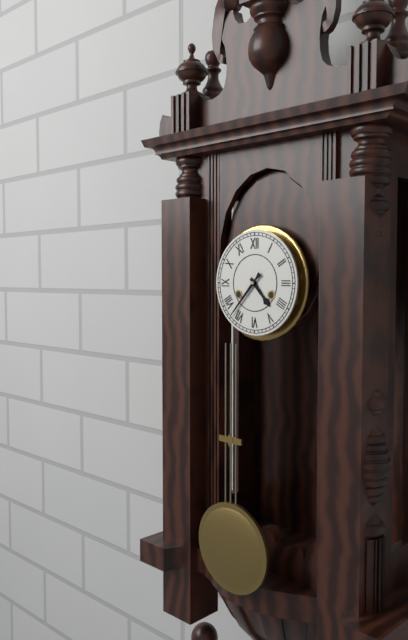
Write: 4:37
